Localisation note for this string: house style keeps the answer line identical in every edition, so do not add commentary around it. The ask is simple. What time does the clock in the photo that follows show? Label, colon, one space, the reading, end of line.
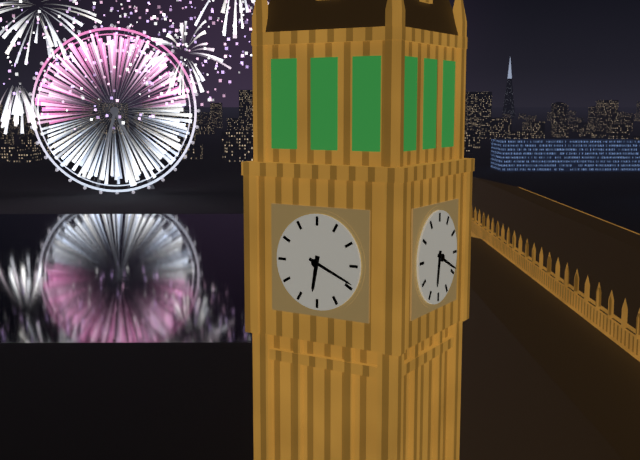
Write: 6:19
